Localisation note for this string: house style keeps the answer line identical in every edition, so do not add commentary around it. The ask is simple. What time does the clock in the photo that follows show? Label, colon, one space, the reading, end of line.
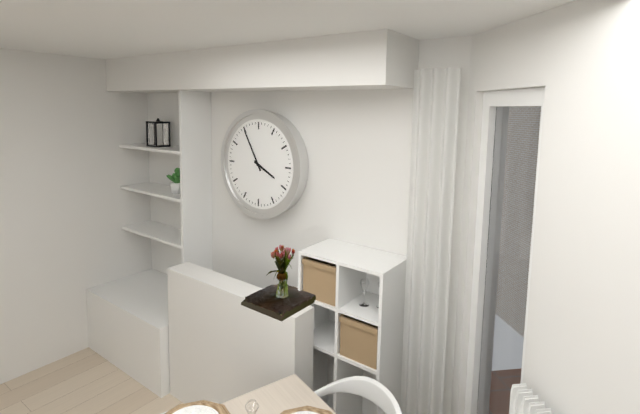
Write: 3:55
